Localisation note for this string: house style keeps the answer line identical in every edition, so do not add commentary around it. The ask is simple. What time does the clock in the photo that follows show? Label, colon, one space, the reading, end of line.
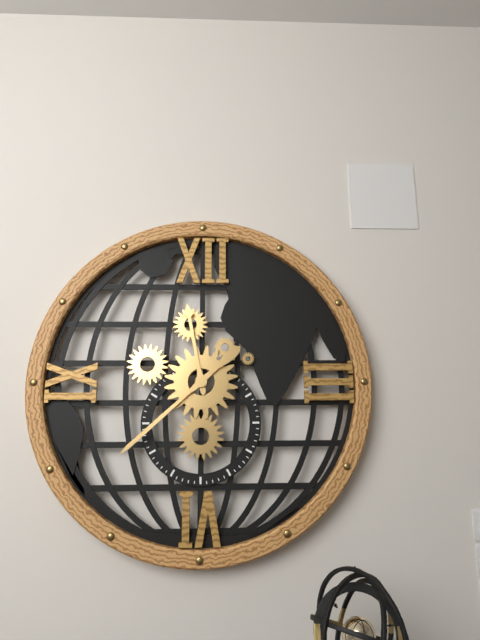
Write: 11:38
